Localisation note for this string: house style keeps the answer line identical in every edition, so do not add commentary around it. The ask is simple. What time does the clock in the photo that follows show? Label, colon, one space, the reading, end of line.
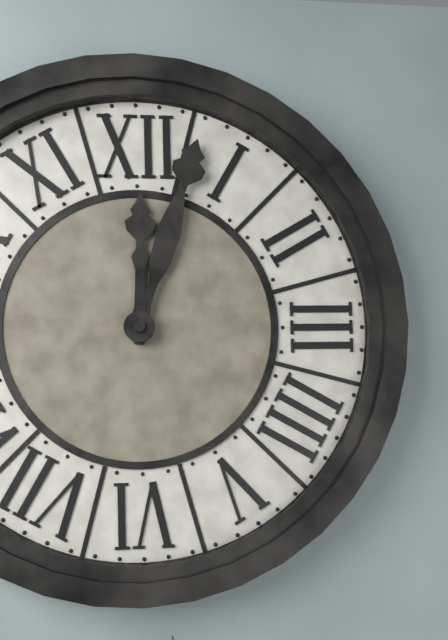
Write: 12:03
